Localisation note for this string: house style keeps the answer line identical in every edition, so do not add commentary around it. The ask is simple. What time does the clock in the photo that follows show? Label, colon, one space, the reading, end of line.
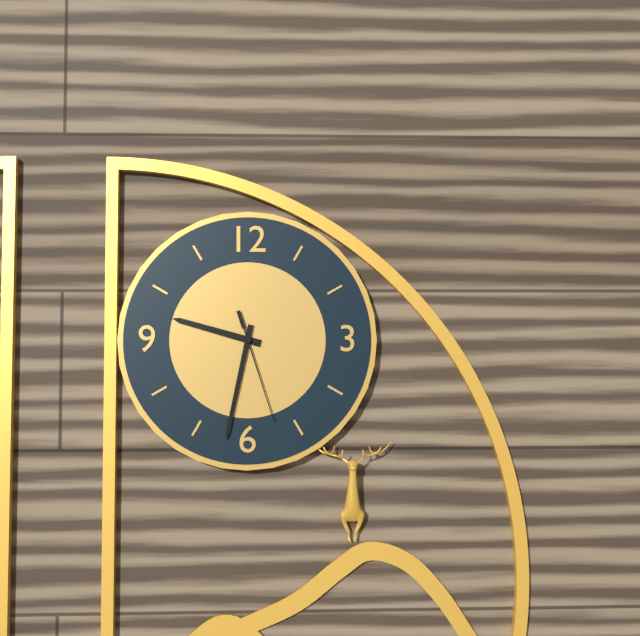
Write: 9:32:27
